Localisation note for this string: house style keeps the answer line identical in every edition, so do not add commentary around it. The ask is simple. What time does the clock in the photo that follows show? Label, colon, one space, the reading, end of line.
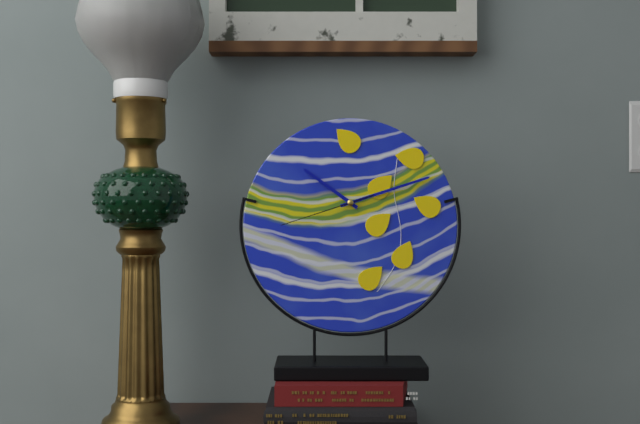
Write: 10:12:42
